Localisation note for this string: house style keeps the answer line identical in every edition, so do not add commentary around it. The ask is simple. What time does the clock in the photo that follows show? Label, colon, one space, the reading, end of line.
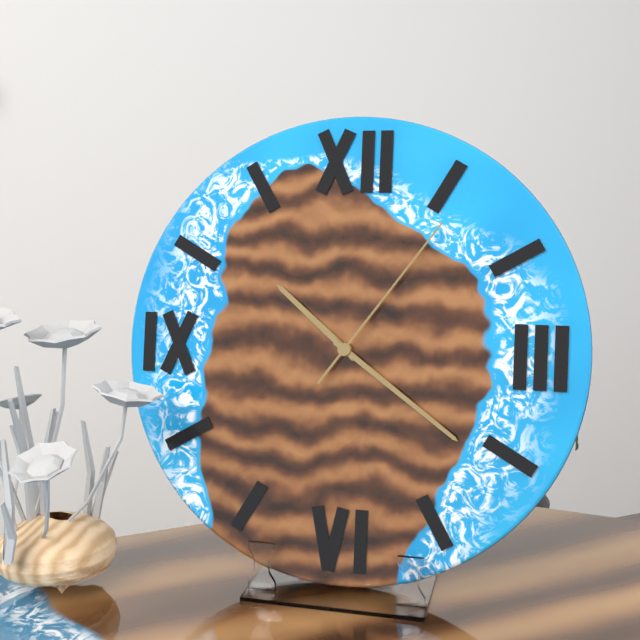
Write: 10:21:06
